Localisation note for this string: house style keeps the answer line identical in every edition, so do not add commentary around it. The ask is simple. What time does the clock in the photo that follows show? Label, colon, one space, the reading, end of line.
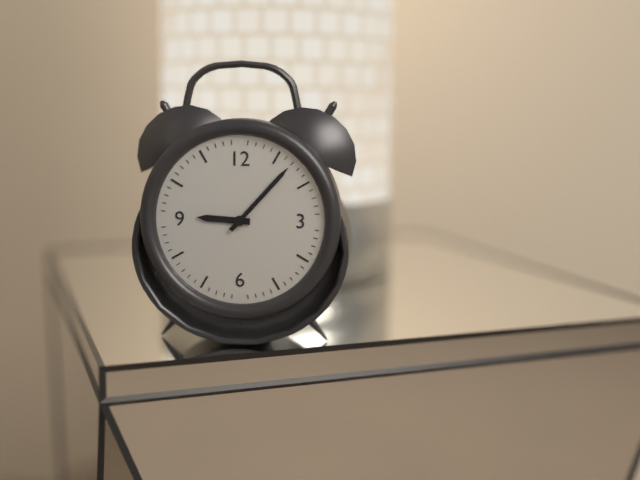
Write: 9:07
